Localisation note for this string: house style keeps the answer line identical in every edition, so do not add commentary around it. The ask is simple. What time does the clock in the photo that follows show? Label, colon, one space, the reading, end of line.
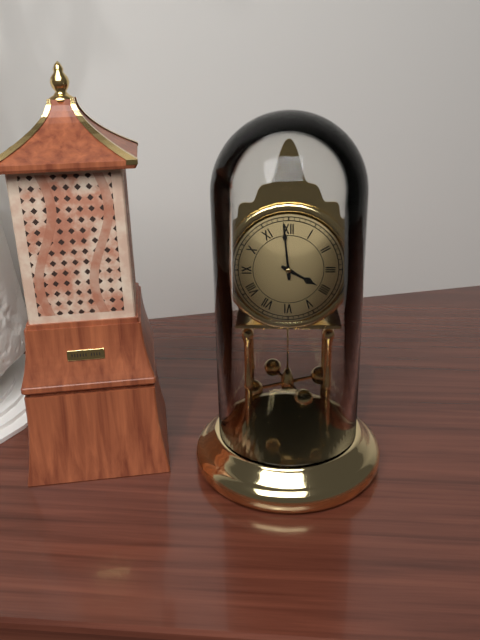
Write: 3:59
